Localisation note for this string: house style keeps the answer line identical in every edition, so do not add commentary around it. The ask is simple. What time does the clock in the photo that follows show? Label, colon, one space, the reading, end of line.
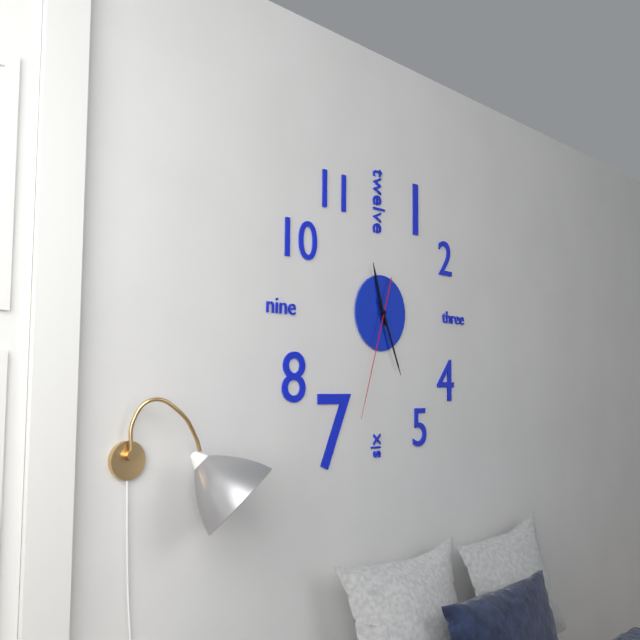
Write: 11:26:33
